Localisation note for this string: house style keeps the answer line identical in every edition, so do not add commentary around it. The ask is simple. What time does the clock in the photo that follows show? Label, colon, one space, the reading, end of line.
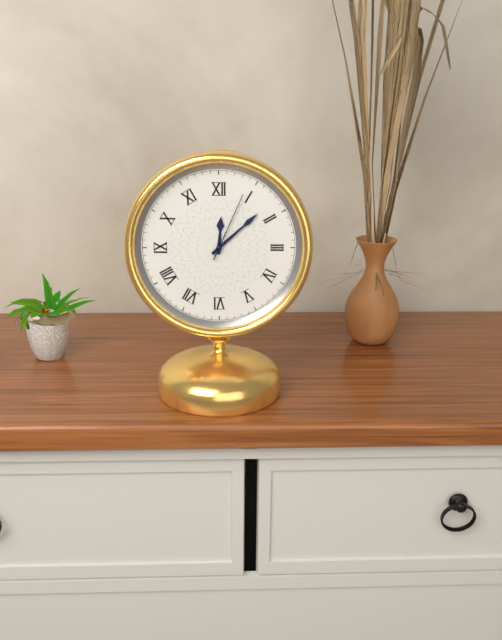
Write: 12:08:04
